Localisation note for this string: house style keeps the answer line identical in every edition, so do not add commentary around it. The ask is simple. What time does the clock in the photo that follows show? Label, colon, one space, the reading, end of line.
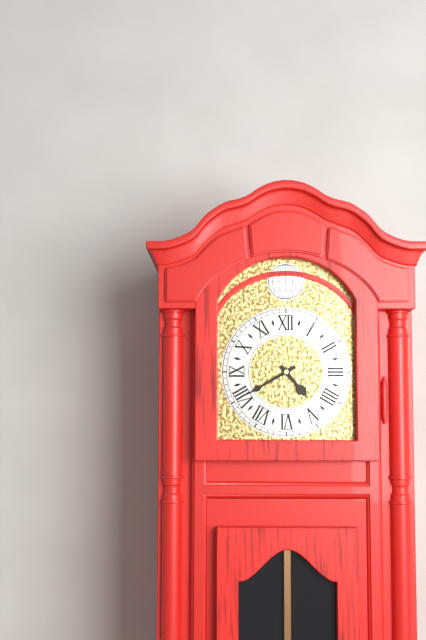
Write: 4:40
